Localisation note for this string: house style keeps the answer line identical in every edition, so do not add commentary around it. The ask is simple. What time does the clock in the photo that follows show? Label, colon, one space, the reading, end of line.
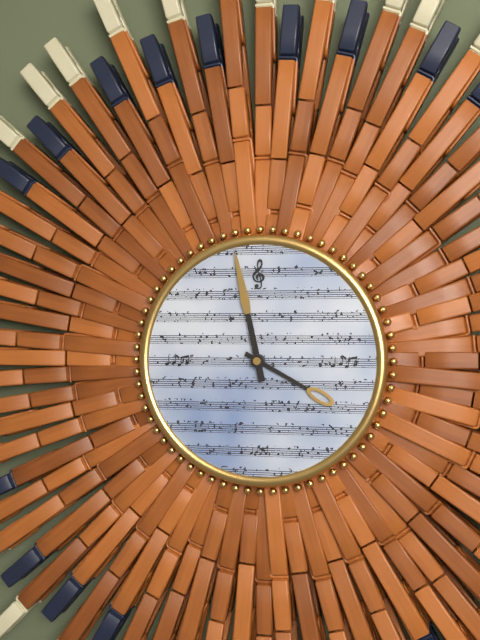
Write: 3:58
